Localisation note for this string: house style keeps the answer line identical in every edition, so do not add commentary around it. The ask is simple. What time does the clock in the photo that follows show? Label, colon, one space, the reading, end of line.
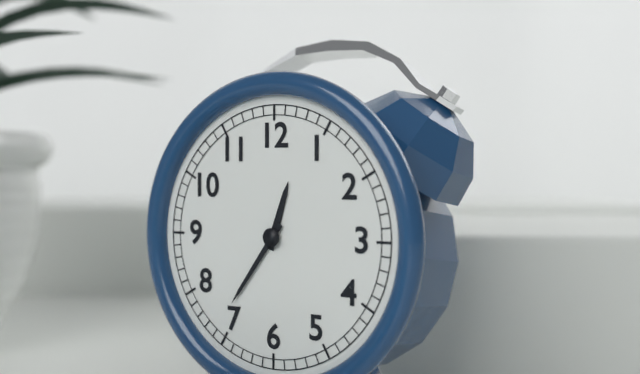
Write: 12:36
